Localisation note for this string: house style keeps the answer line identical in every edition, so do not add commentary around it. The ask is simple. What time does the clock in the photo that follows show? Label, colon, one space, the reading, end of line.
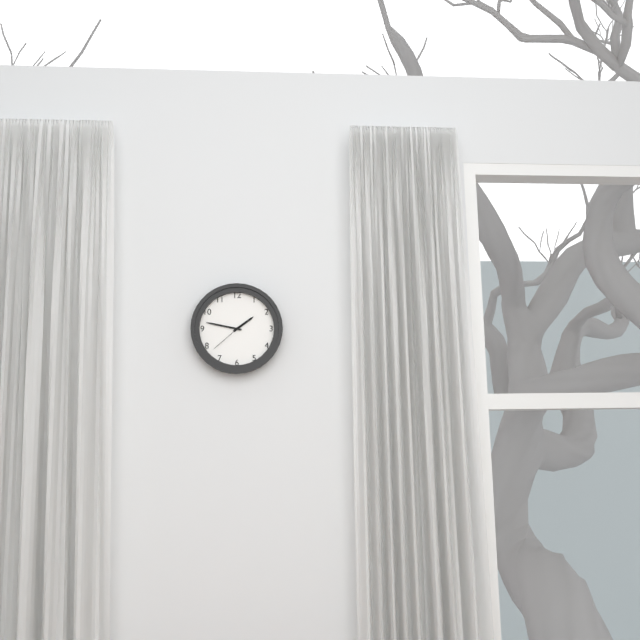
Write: 1:47
